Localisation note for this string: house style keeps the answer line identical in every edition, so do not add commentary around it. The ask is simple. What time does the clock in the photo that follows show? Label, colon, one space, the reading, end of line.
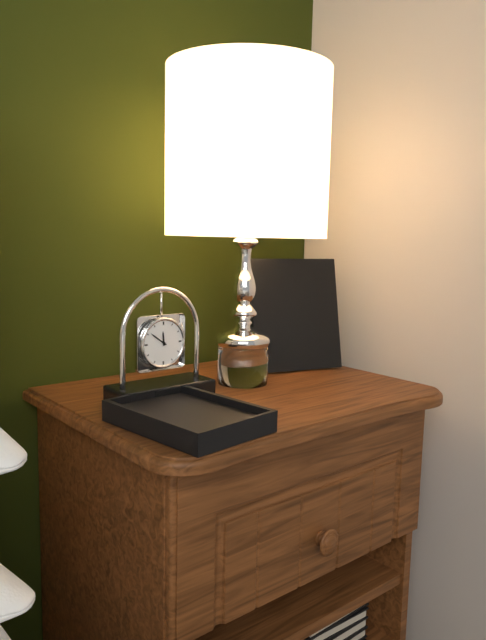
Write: 11:51
